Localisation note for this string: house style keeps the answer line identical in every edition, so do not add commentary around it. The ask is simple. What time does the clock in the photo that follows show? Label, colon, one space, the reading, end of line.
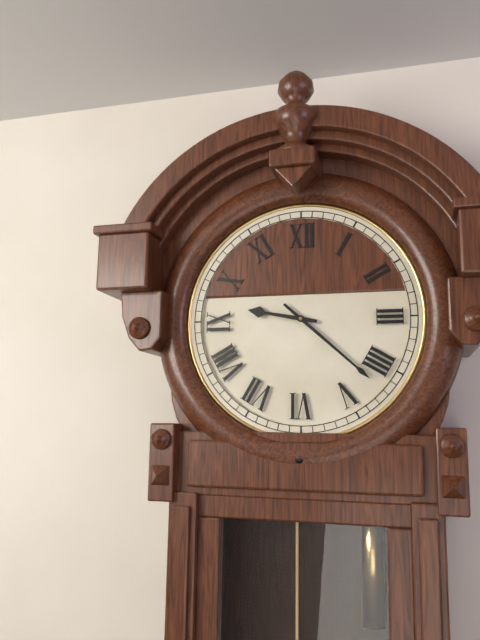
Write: 9:22
